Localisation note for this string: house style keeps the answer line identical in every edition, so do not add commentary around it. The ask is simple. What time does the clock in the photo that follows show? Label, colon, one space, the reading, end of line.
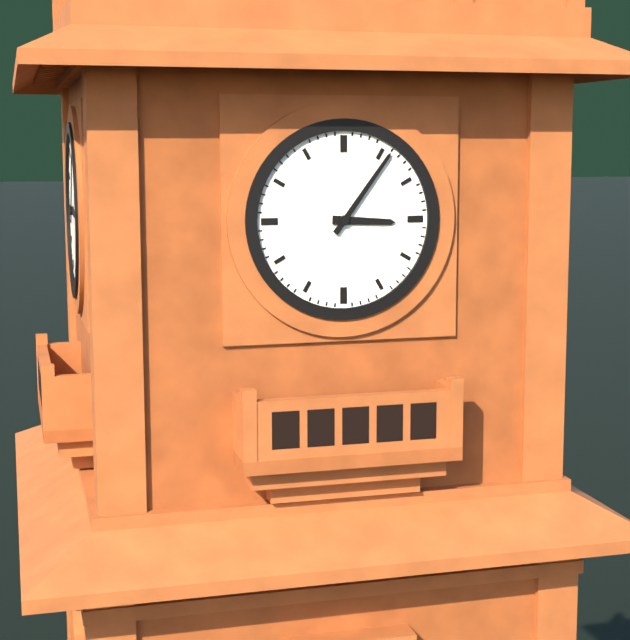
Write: 3:06
